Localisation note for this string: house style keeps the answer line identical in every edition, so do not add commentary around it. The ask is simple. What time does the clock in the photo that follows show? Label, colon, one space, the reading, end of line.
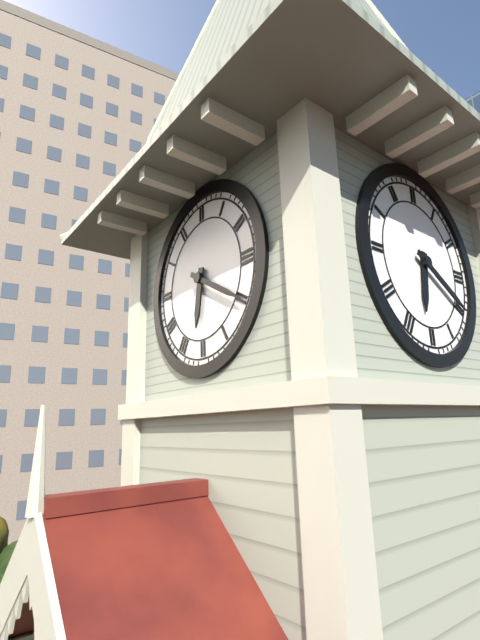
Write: 6:20
